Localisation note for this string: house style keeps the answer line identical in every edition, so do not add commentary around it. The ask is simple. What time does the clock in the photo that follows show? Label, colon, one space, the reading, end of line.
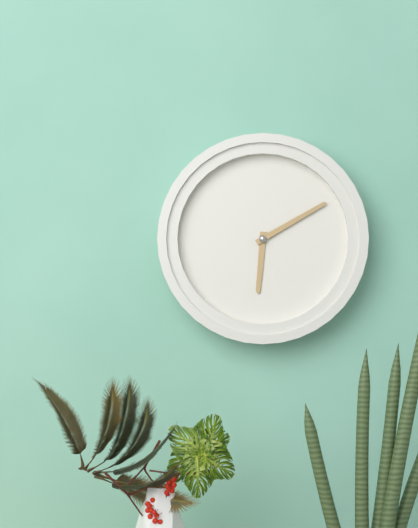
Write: 6:10
